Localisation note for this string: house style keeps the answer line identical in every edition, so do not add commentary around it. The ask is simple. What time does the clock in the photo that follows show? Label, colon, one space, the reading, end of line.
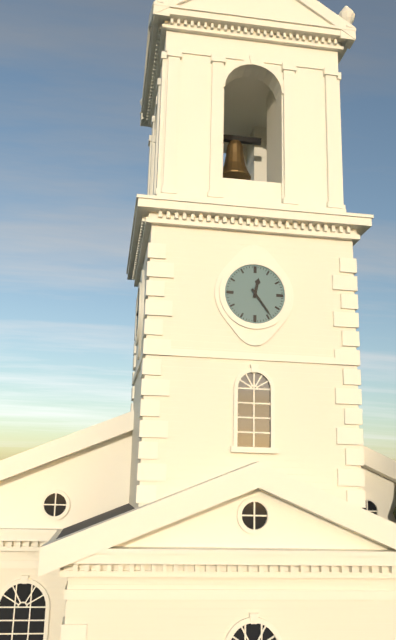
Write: 12:24
